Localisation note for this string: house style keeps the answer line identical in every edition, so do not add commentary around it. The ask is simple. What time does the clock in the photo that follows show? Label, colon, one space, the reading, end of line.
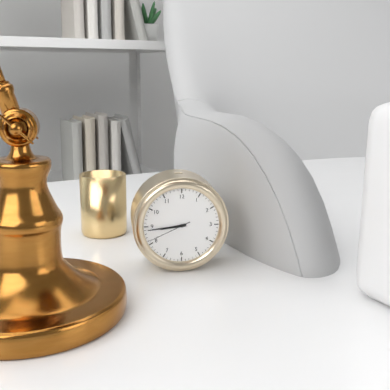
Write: 8:44
